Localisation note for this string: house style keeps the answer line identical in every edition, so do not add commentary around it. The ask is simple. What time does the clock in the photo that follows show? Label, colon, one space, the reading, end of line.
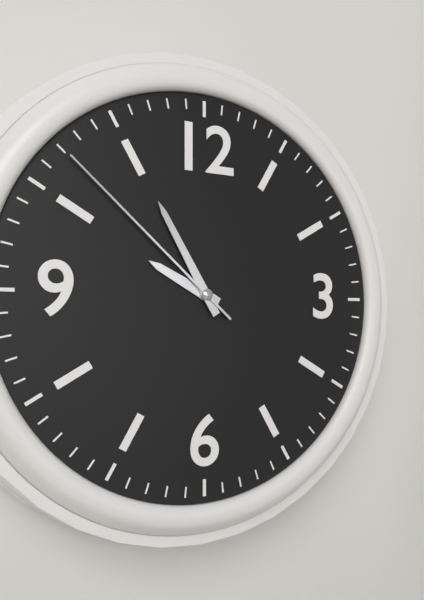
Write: 9:55:52
